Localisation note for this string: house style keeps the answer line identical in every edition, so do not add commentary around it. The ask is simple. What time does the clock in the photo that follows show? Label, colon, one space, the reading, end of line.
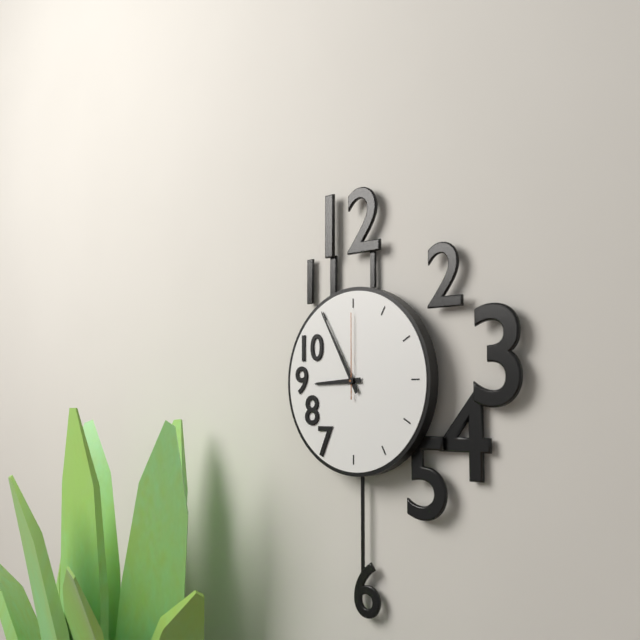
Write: 8:55:00
